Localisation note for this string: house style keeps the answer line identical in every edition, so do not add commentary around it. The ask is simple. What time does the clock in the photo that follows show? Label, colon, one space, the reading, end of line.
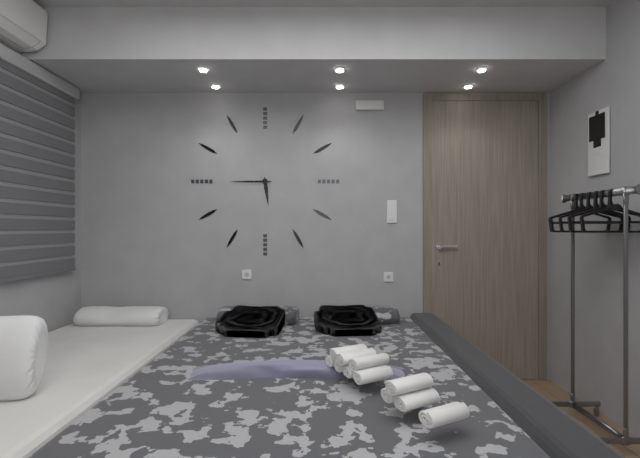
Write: 5:45
